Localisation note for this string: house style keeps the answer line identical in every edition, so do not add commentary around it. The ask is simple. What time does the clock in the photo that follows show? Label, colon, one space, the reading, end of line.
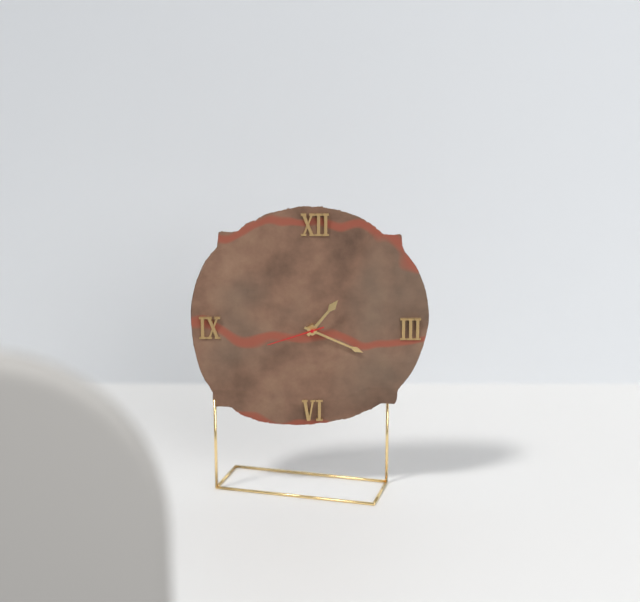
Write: 1:19:42
